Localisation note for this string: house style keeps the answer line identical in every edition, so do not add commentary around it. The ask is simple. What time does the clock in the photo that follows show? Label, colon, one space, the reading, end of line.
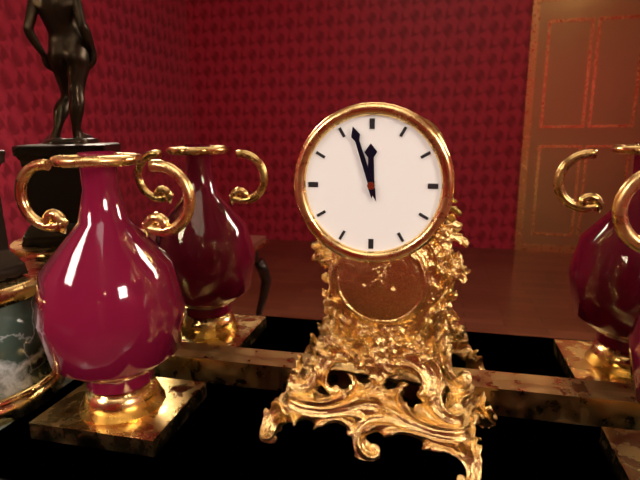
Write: 11:57
